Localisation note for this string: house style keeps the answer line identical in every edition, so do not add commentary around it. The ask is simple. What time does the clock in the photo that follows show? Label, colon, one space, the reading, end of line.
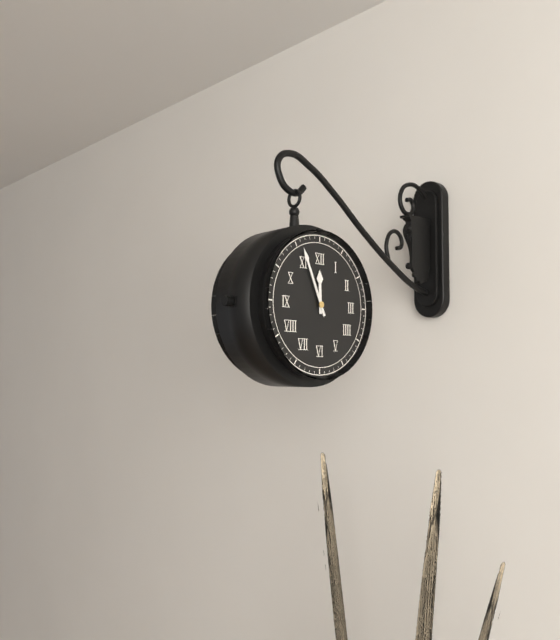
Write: 11:56
